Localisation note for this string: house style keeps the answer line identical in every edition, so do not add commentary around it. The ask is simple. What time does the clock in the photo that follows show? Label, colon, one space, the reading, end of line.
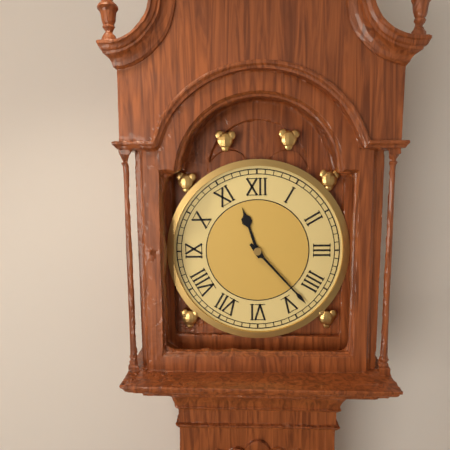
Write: 11:23
